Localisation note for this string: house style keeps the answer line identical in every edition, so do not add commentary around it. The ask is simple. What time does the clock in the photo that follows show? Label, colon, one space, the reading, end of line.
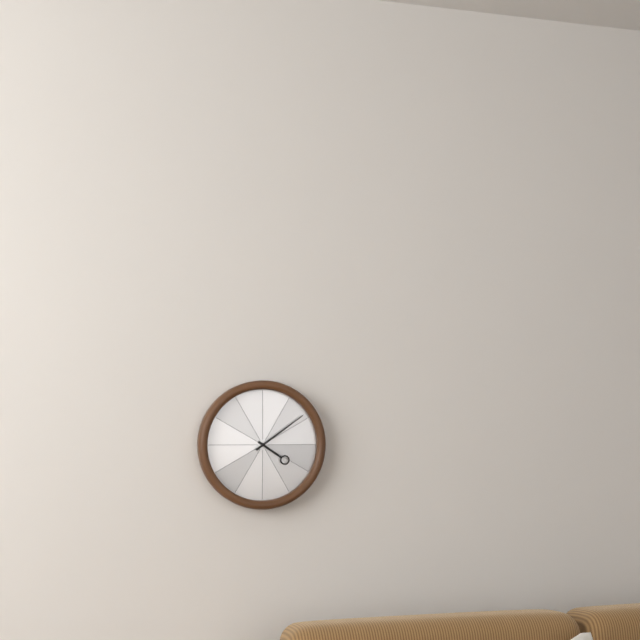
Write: 4:09
